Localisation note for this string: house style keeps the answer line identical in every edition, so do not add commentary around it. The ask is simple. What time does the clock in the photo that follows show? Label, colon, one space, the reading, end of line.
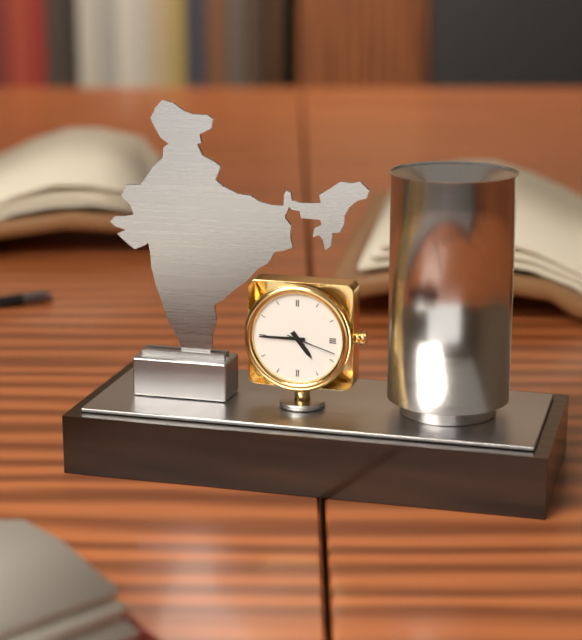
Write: 4:45:18
